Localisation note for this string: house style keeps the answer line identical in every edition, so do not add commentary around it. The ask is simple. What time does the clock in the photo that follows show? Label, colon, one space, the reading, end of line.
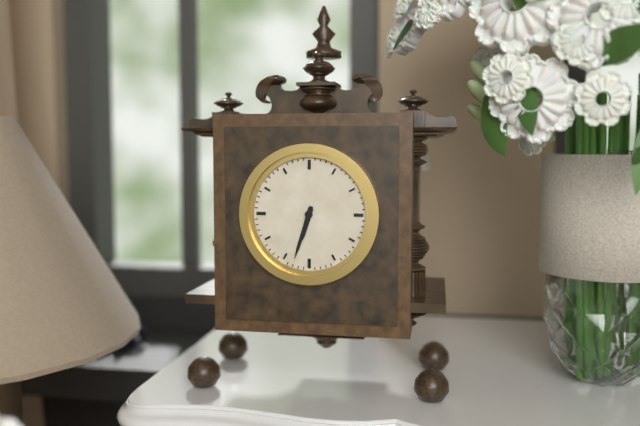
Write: 6:33
